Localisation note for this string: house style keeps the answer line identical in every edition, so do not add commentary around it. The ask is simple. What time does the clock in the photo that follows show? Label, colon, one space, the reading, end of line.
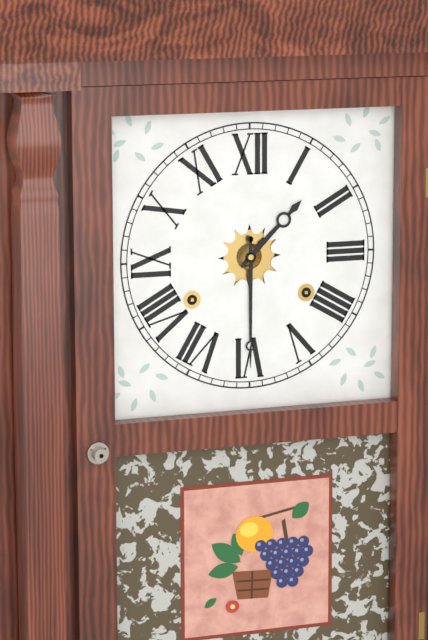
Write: 1:30
